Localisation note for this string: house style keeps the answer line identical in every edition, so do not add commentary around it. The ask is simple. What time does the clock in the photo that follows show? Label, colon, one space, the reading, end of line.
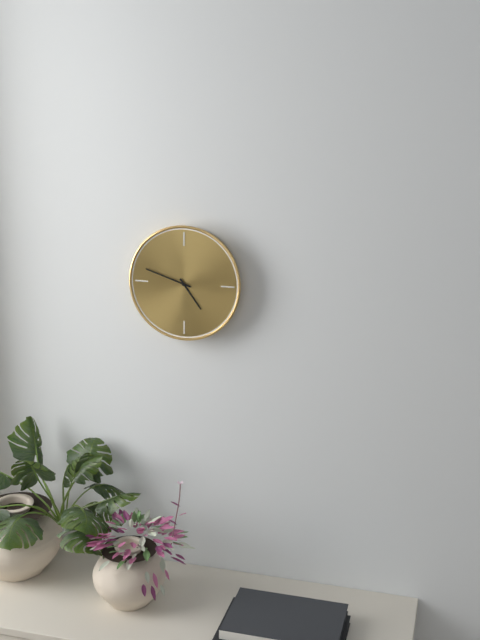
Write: 4:48
